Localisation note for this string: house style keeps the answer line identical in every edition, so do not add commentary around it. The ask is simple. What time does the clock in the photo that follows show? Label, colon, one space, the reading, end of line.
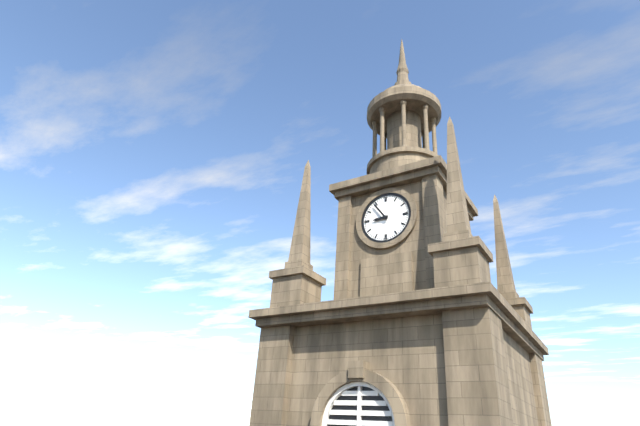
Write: 8:54
